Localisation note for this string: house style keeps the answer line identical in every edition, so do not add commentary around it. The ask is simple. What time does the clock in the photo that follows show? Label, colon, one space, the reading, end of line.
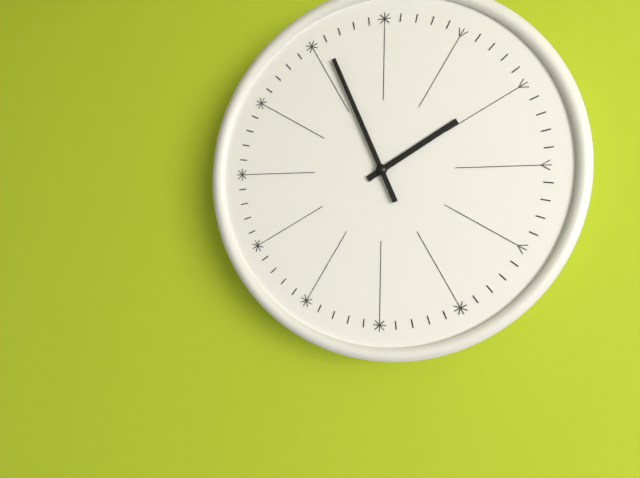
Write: 1:56
